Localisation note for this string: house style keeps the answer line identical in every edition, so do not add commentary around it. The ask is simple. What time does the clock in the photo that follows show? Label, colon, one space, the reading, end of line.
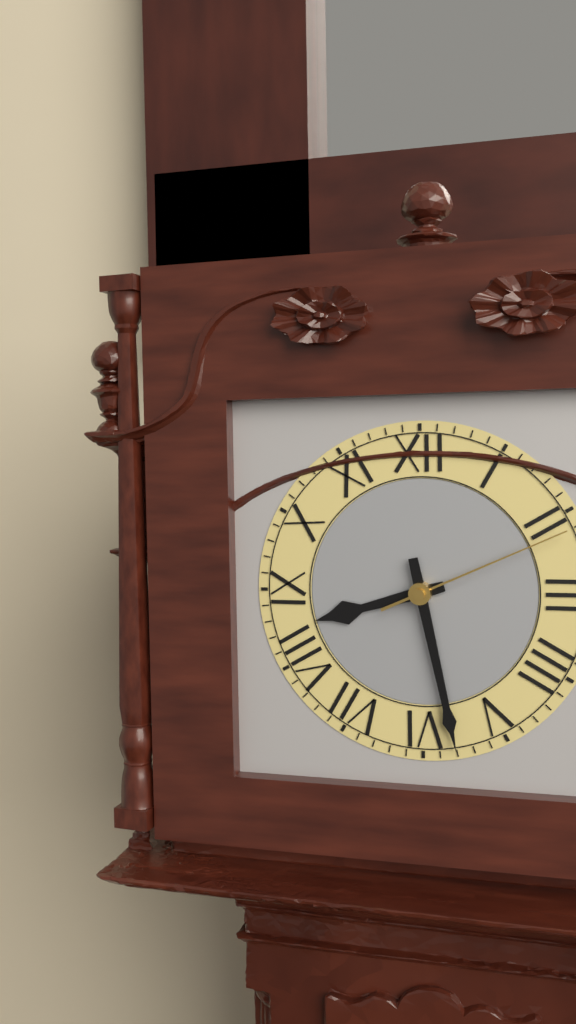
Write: 8:28:11
